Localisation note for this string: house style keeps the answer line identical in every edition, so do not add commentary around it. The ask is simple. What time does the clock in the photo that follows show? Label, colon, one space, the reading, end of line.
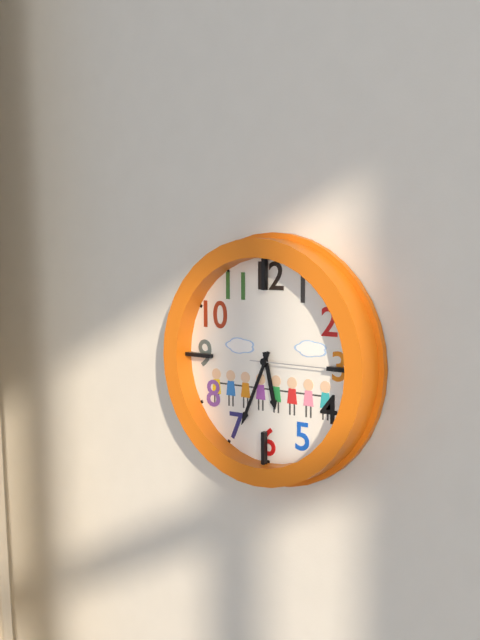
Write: 5:34:15
